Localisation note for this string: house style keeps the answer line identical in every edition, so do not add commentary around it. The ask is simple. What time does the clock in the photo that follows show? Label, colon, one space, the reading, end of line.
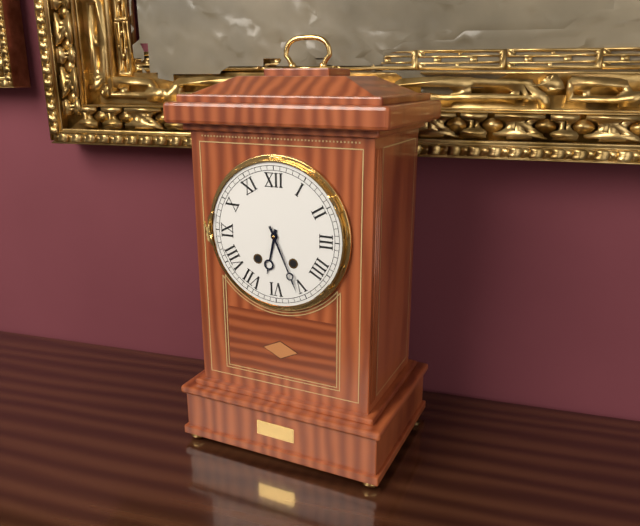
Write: 6:26
